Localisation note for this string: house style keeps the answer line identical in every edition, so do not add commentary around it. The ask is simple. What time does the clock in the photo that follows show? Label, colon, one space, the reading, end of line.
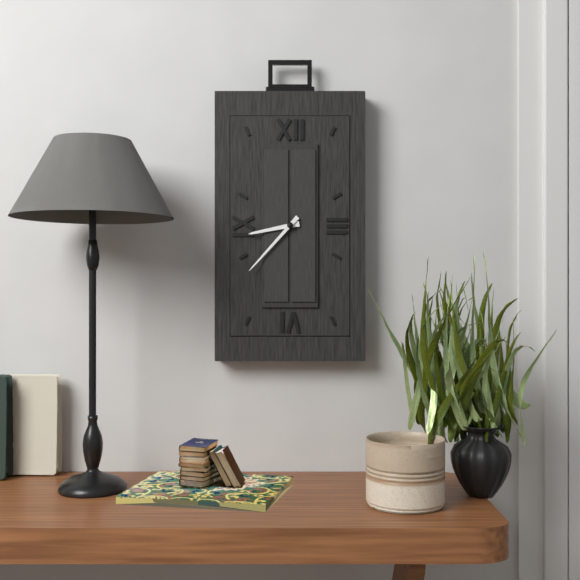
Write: 8:37
